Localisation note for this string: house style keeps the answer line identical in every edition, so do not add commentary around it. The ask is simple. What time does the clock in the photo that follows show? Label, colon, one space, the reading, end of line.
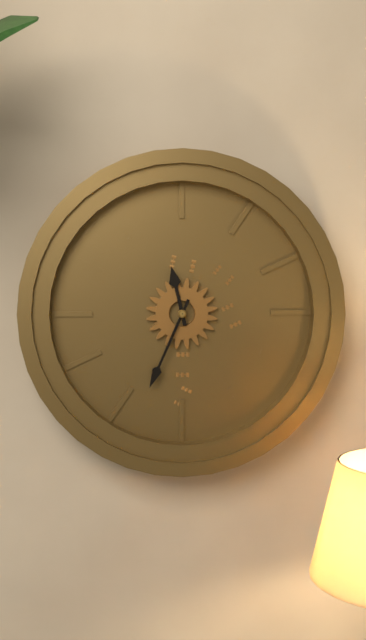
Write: 11:34
